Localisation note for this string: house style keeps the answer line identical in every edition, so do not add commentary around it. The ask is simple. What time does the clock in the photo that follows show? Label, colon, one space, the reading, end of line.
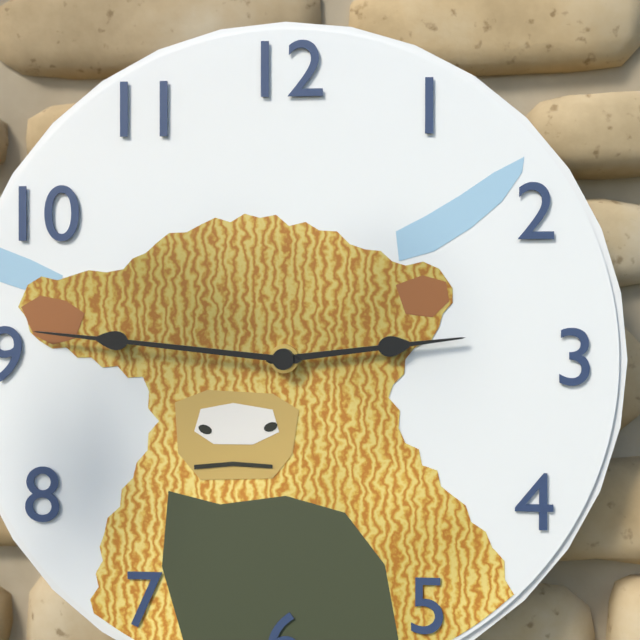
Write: 2:46
